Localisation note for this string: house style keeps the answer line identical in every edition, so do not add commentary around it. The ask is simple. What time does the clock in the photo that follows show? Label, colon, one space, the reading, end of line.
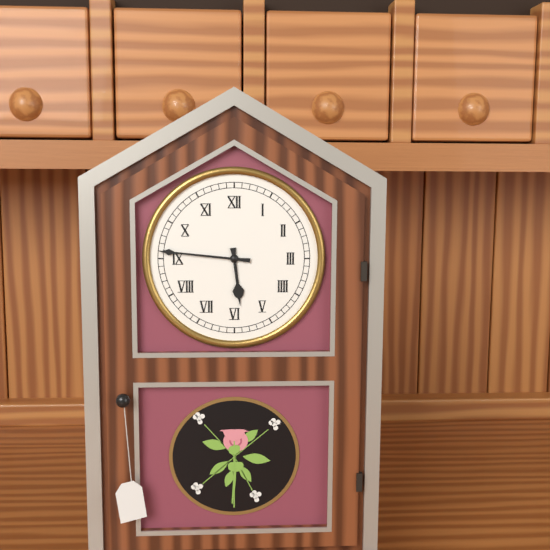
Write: 5:46
